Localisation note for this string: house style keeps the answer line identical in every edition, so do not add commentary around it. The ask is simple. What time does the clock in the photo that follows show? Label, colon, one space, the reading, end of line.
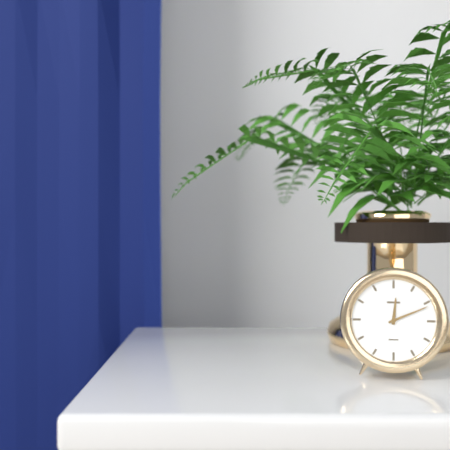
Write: 12:11
